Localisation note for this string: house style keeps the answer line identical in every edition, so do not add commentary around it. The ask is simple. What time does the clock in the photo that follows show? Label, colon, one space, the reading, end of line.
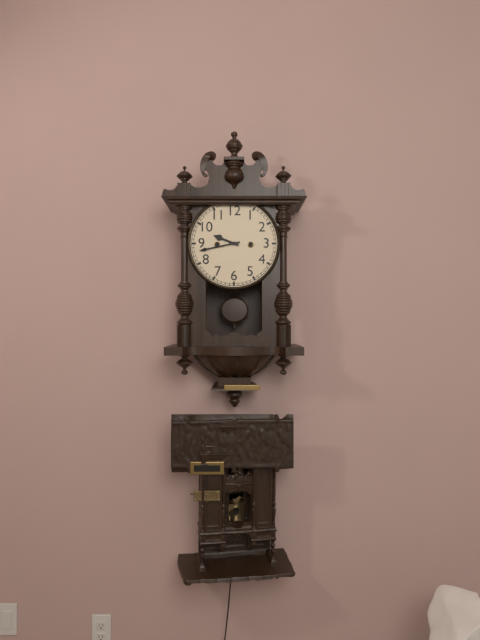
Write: 9:43
